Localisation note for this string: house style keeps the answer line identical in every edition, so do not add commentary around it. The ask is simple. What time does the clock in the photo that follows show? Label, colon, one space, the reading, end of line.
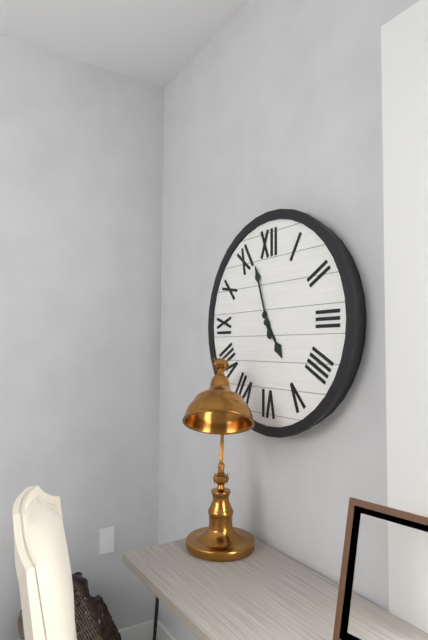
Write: 4:57
